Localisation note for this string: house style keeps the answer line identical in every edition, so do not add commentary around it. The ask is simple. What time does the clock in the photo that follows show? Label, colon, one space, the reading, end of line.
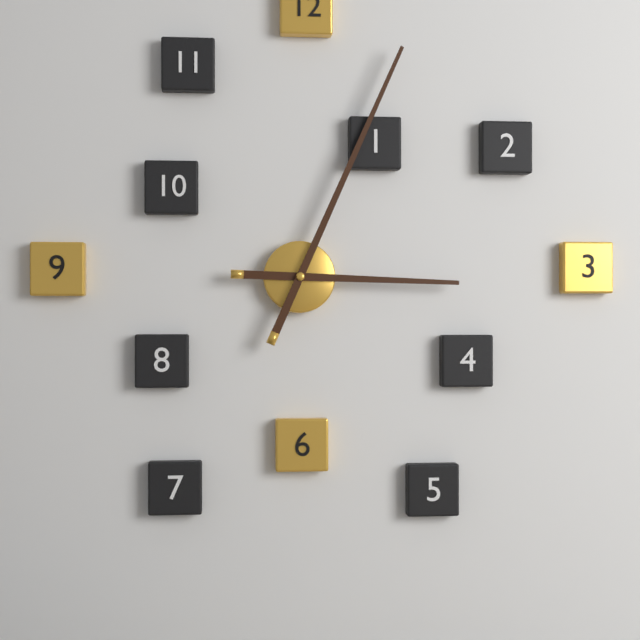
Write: 3:04
